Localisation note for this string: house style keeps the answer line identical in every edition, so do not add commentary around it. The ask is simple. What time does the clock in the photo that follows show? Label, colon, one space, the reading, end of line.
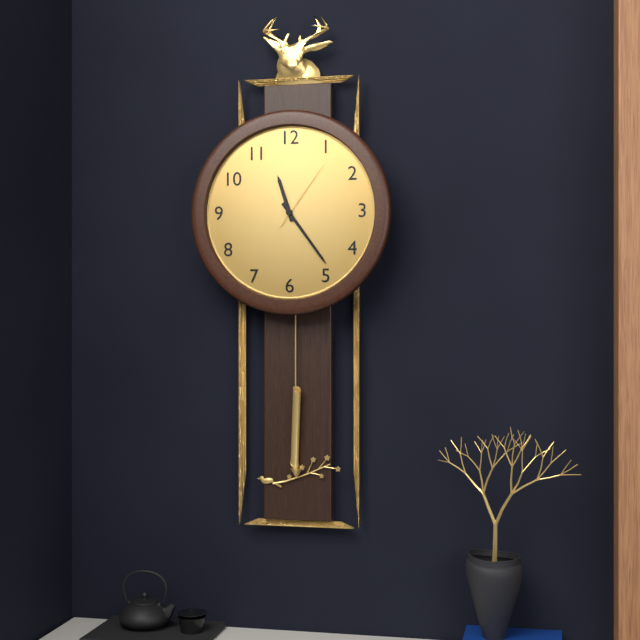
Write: 11:24:06
